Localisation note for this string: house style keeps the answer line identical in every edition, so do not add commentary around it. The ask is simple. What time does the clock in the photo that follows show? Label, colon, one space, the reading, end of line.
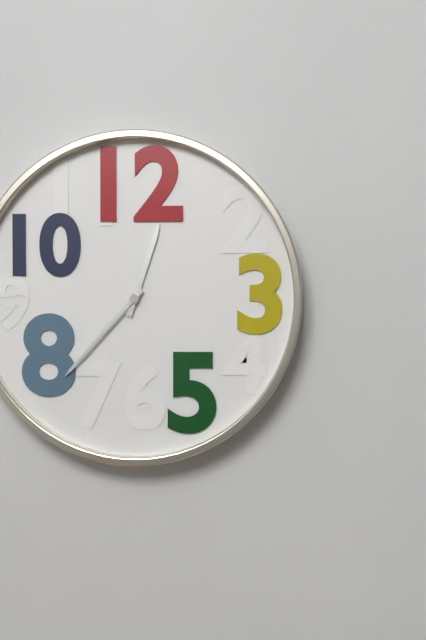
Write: 12:37
